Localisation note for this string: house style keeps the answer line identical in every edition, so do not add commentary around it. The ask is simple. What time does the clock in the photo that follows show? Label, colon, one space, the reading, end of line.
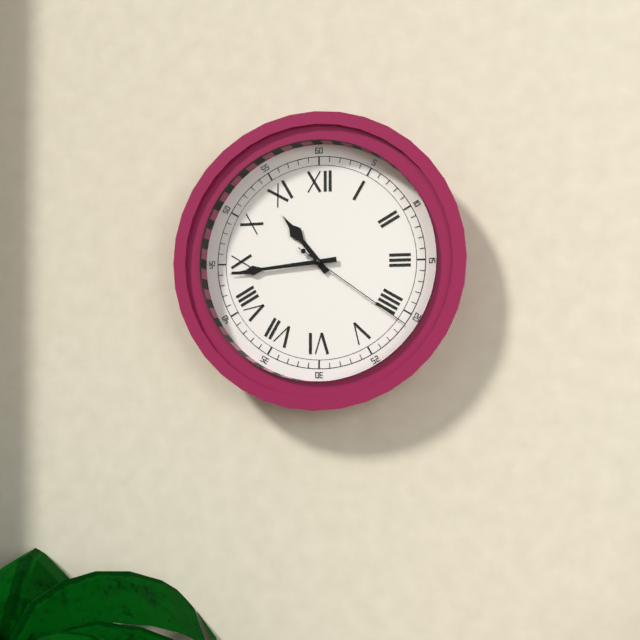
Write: 10:44:21
